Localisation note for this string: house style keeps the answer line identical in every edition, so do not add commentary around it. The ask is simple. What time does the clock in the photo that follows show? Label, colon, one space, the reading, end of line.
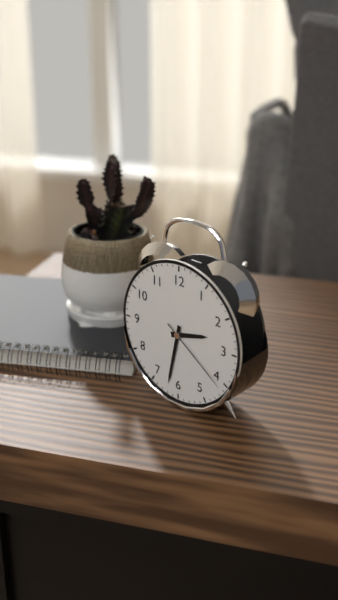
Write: 2:32:21
